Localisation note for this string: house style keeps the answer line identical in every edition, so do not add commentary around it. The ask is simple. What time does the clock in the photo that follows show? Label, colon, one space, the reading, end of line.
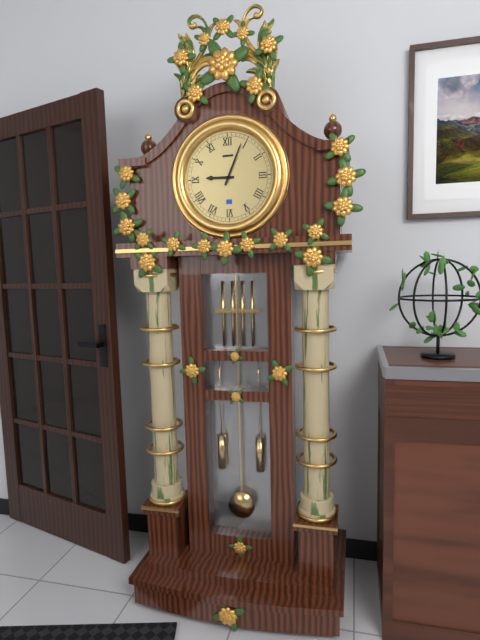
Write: 9:04
